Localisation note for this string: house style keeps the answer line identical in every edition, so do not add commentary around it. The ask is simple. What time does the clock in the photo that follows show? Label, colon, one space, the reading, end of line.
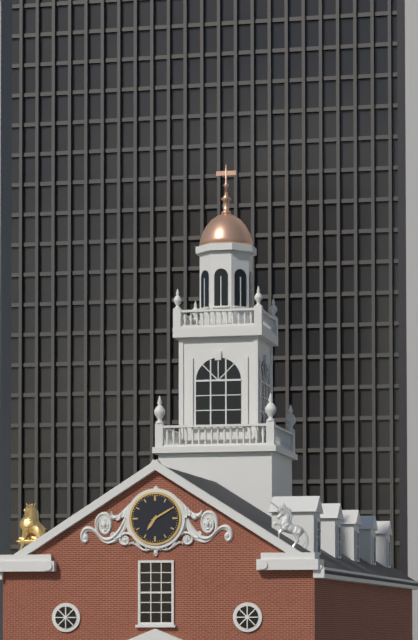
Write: 7:10
